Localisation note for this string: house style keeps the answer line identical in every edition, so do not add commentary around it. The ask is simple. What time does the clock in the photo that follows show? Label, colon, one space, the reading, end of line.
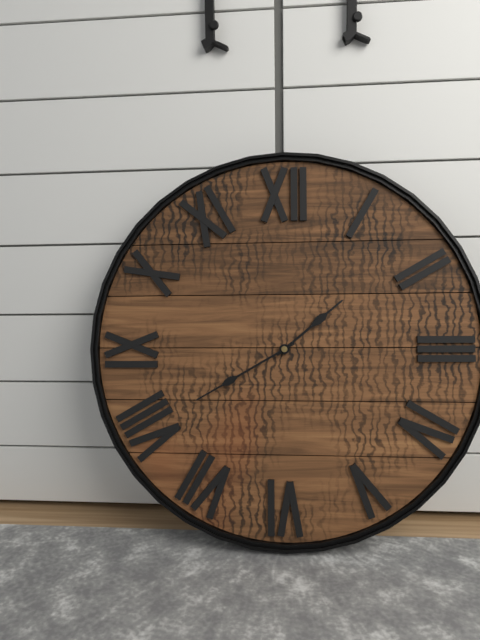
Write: 1:40
